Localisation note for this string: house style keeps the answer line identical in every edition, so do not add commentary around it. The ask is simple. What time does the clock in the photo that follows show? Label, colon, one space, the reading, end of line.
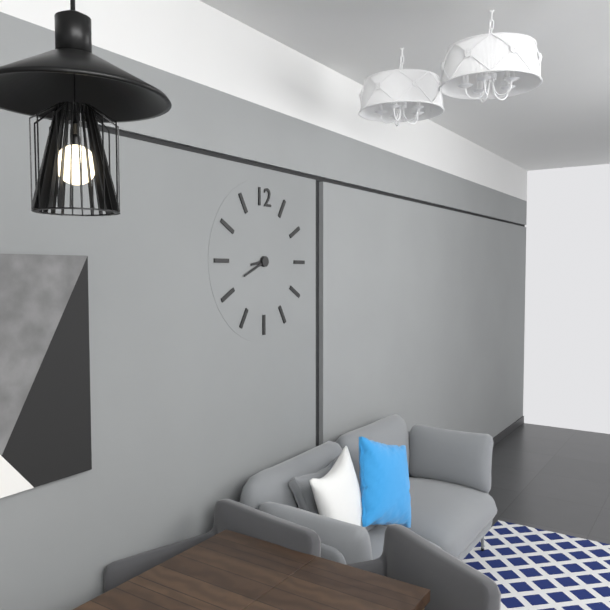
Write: 8:41
